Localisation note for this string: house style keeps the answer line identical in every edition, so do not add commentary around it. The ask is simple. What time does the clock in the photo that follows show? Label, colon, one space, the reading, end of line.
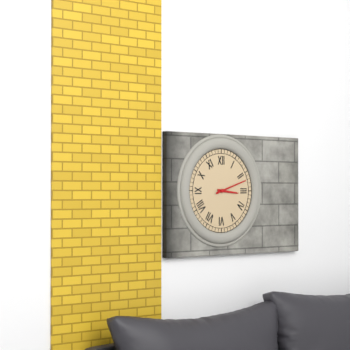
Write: 3:12
